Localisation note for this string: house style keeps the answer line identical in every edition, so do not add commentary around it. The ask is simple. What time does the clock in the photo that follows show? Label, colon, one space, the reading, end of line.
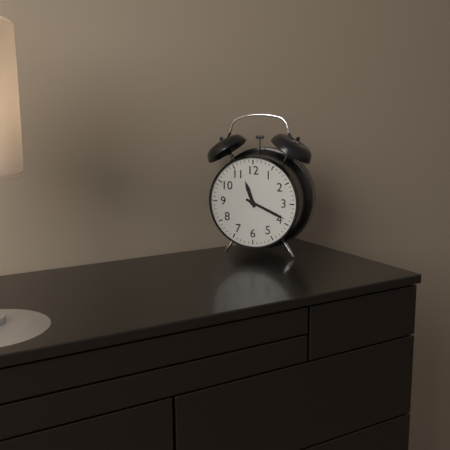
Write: 11:19
